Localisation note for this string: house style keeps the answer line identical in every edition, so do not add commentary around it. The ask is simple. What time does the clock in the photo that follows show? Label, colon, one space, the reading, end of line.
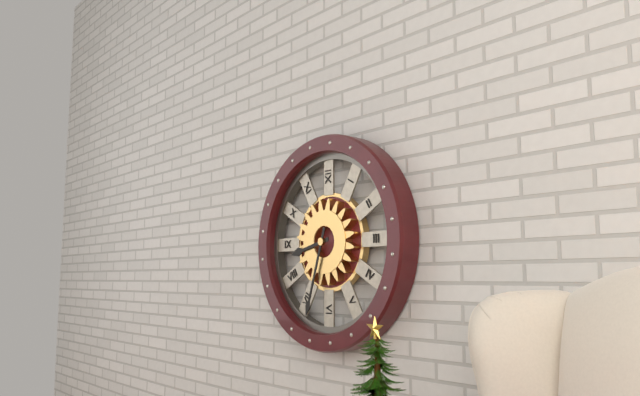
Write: 8:33
